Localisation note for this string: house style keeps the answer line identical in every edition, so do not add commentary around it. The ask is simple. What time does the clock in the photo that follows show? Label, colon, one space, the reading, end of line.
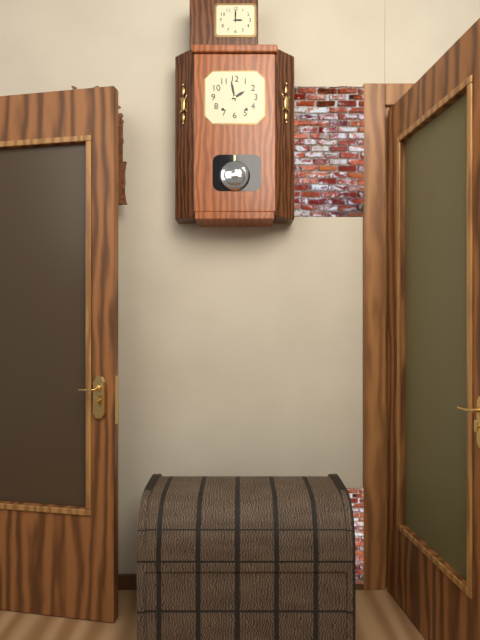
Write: 1:58
